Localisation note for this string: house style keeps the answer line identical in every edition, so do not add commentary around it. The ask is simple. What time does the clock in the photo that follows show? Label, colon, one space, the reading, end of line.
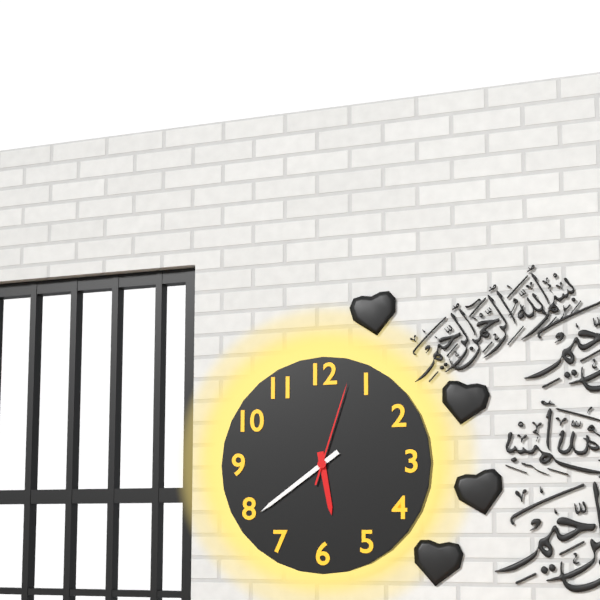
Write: 5:39:03
